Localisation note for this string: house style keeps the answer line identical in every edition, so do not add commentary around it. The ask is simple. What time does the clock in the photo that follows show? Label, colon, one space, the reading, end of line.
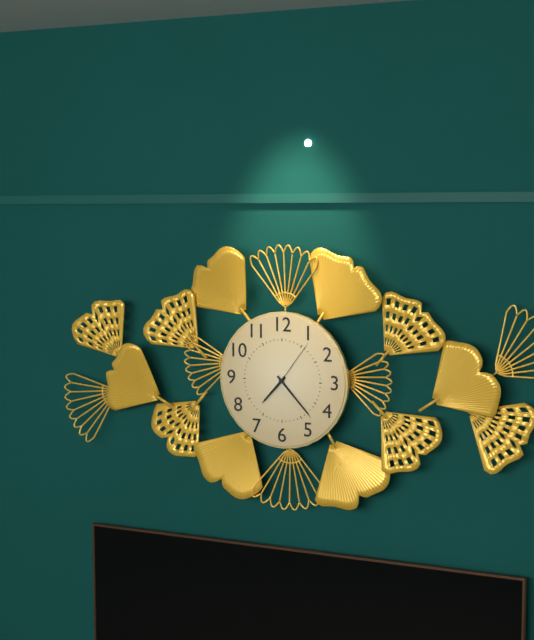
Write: 7:23:06
